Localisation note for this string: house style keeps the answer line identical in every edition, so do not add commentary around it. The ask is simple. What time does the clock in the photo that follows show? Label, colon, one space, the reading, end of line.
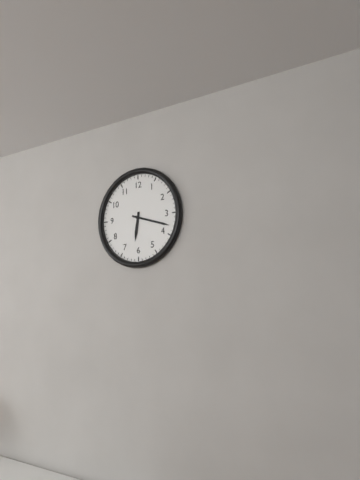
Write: 6:18
